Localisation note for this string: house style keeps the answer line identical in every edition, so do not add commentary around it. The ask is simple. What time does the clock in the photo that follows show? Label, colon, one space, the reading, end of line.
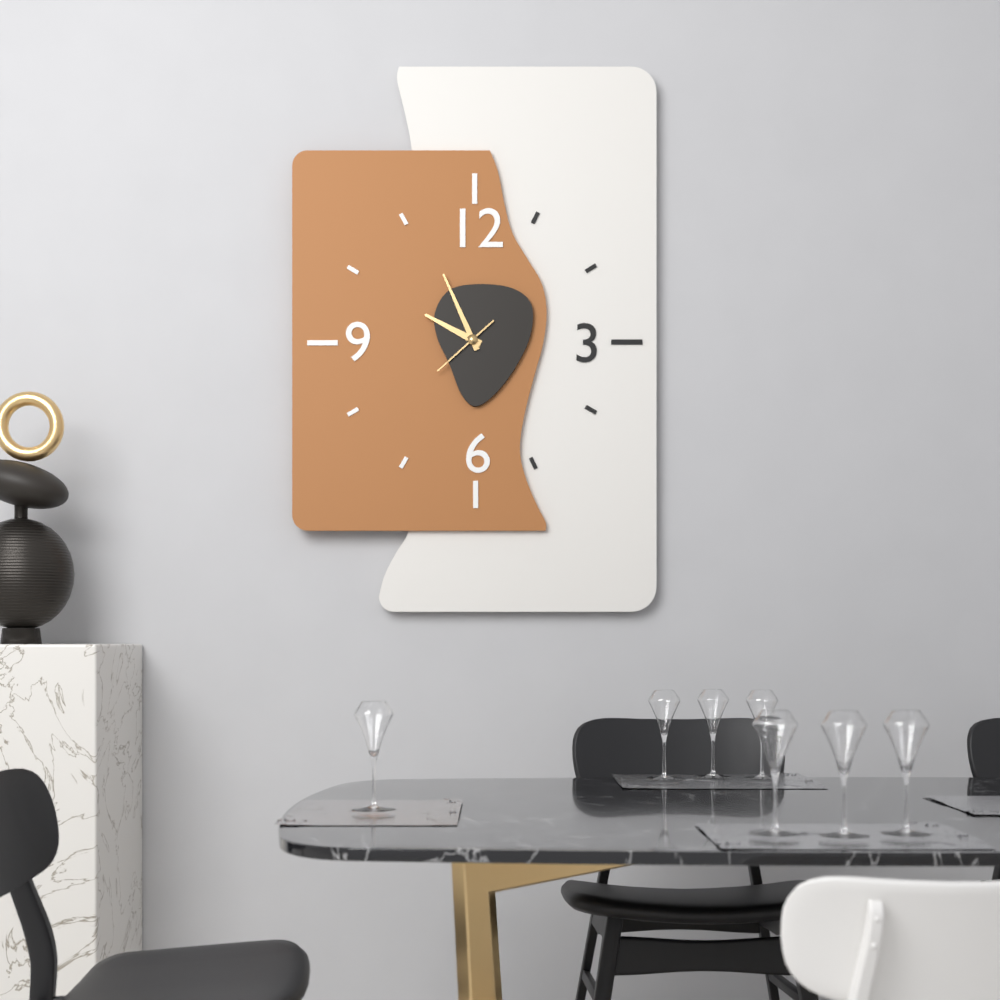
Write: 9:56:38
